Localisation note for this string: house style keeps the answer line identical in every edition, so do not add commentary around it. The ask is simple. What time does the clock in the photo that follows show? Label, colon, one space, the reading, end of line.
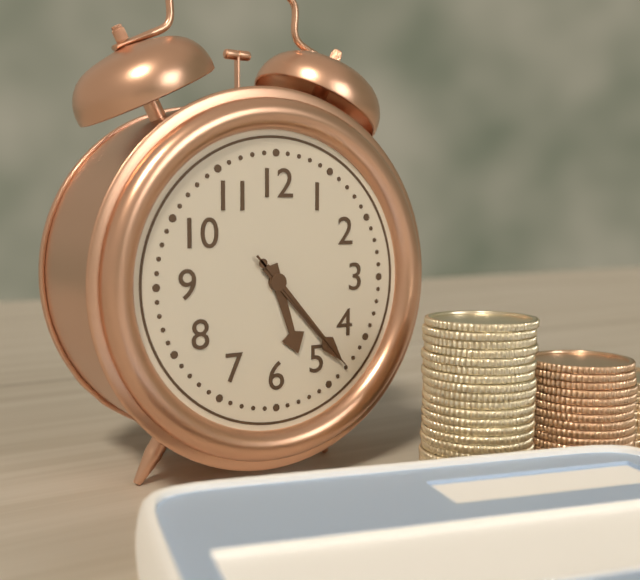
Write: 5:23:23
